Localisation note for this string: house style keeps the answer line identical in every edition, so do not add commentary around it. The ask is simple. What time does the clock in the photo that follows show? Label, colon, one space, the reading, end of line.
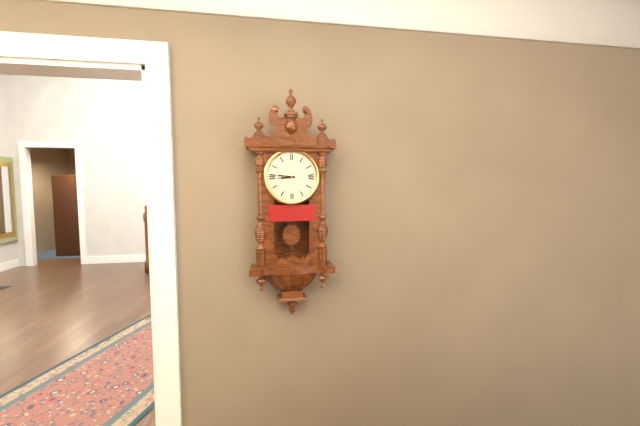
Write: 8:46
